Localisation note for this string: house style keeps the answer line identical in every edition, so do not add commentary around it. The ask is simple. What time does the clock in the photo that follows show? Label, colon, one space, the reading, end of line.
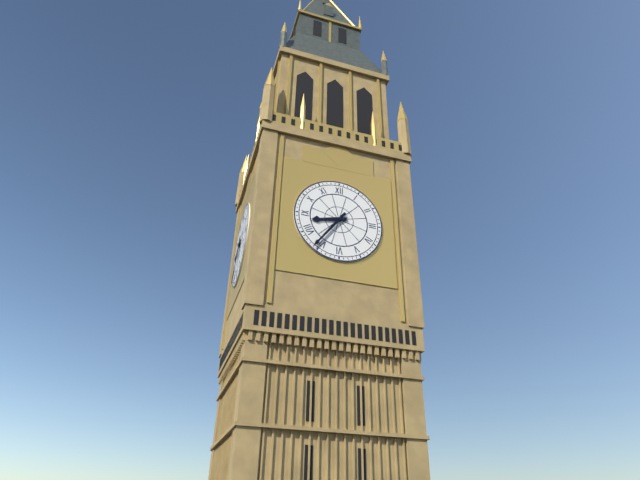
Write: 8:36
